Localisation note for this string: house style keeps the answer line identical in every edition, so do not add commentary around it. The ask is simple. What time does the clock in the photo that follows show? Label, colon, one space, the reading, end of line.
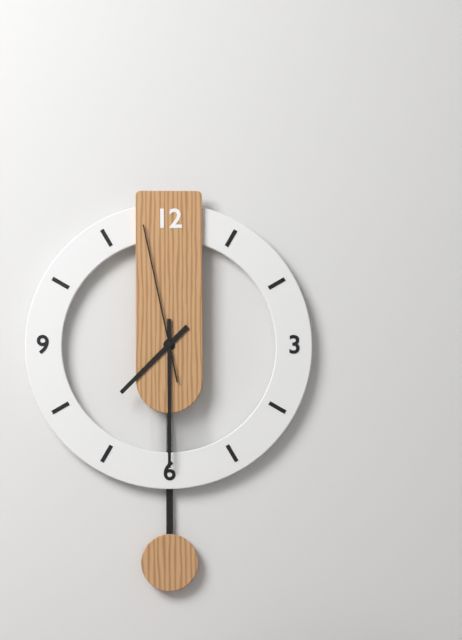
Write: 7:30:58
